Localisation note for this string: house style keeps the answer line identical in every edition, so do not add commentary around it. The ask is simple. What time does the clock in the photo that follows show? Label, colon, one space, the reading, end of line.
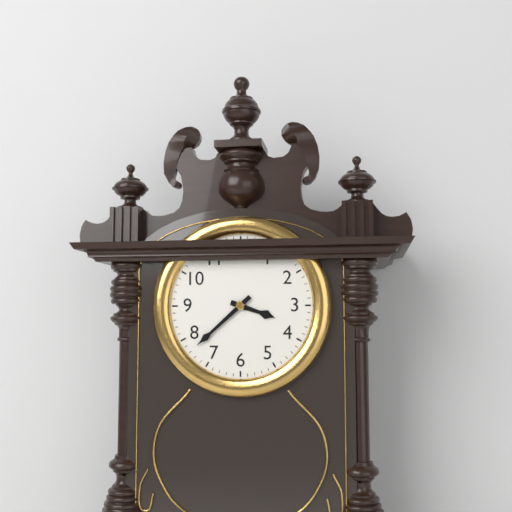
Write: 3:38
